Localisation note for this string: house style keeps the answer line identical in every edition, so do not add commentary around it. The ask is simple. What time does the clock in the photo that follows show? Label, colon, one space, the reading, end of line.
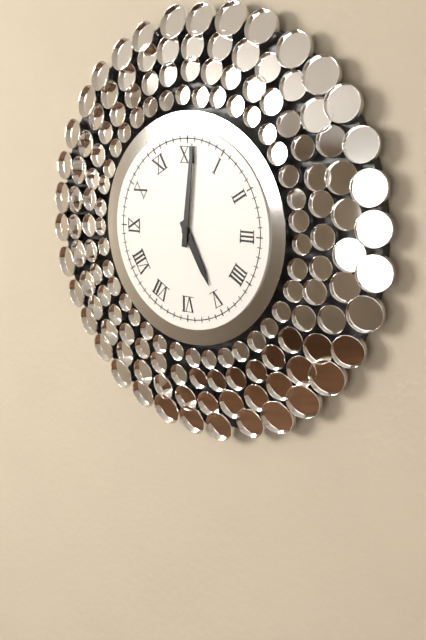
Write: 5:01
